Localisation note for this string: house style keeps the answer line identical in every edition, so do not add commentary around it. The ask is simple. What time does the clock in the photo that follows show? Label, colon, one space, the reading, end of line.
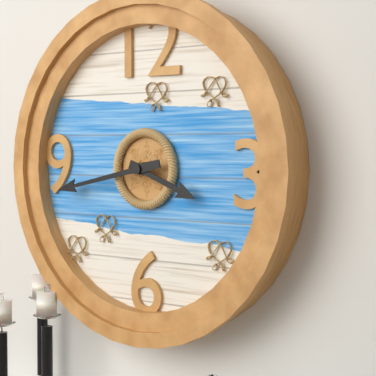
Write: 3:43
